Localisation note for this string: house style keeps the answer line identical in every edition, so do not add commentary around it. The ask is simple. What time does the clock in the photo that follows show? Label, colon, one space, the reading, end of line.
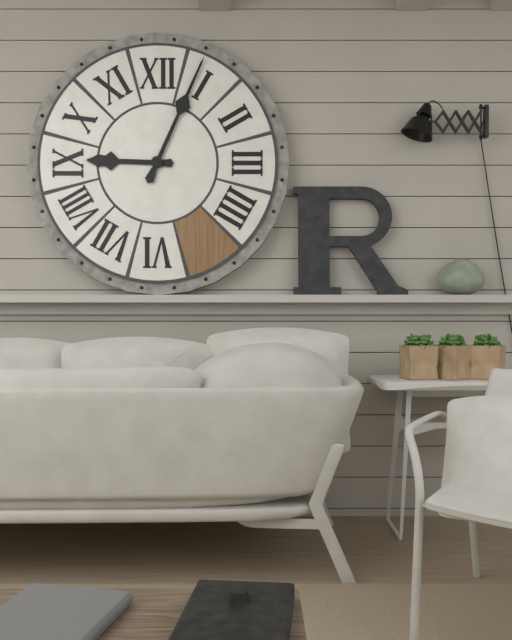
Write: 9:04
